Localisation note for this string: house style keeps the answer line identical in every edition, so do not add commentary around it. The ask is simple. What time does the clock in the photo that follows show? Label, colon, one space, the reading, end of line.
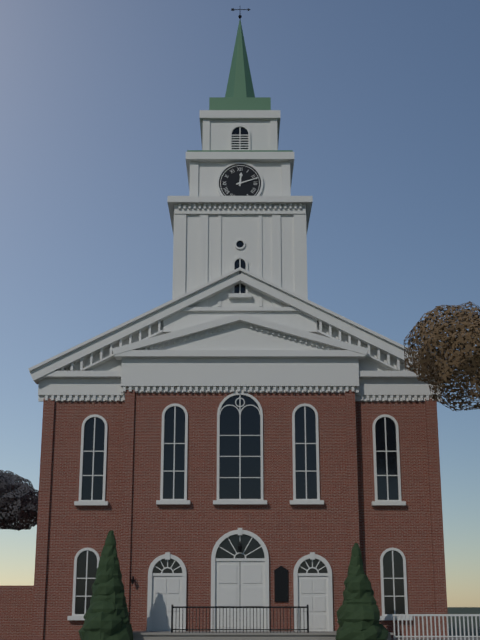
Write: 12:12
